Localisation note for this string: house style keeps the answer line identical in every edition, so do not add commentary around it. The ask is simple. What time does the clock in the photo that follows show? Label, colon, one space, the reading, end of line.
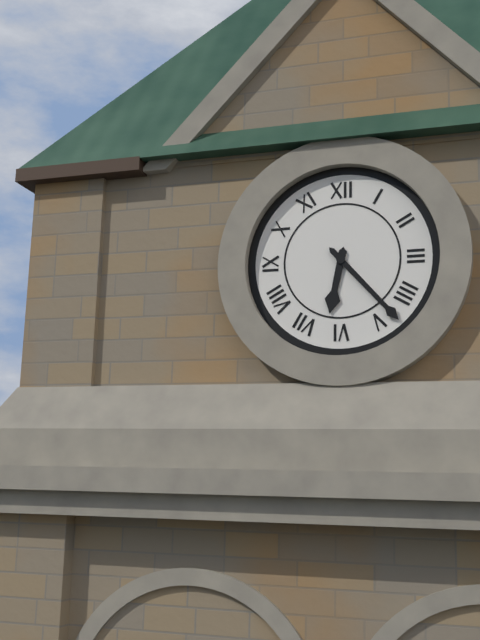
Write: 6:23
